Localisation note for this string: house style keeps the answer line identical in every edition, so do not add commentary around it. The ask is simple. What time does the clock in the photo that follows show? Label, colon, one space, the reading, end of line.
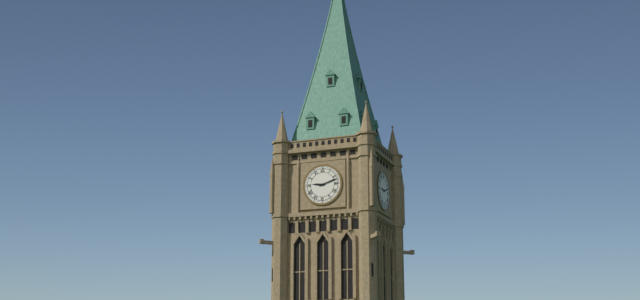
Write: 9:12
